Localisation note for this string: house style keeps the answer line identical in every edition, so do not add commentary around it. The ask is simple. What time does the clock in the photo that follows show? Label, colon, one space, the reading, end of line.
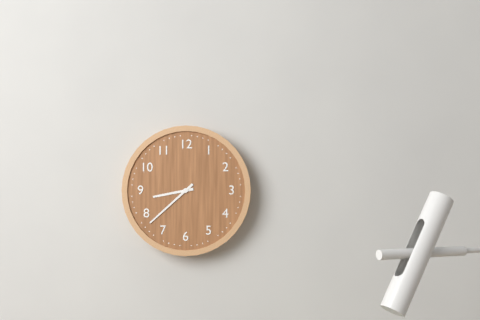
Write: 8:38
